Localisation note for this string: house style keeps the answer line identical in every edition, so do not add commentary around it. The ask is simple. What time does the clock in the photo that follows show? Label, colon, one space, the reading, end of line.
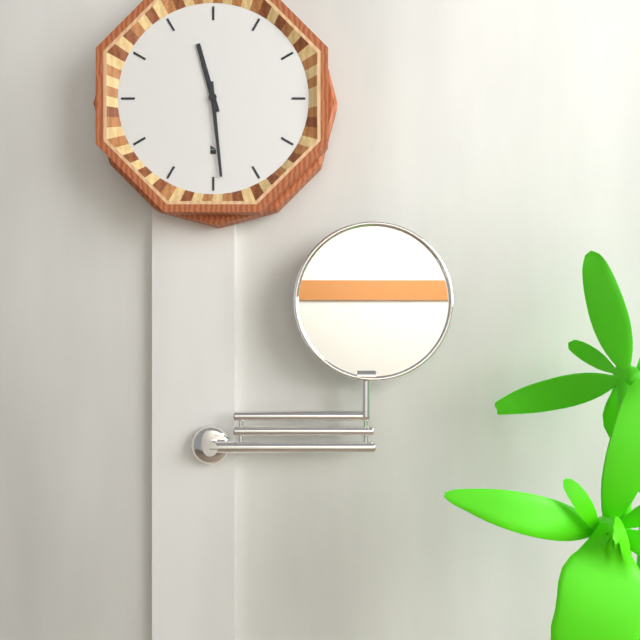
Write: 11:29
